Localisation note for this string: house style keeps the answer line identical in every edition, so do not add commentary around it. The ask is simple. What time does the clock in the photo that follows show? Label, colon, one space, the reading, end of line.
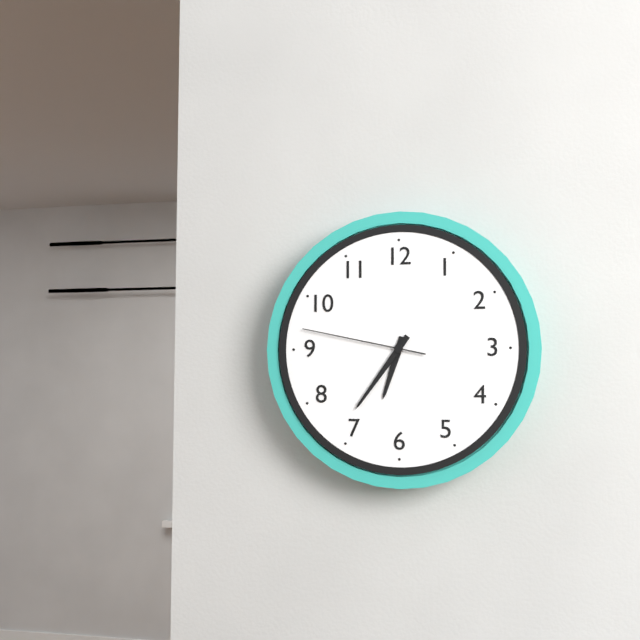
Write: 6:36:47
